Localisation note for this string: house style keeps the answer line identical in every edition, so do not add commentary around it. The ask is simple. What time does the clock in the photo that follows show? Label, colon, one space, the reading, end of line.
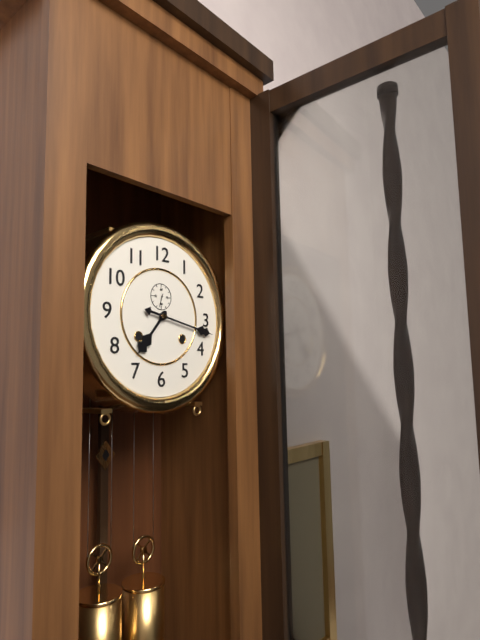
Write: 7:17
